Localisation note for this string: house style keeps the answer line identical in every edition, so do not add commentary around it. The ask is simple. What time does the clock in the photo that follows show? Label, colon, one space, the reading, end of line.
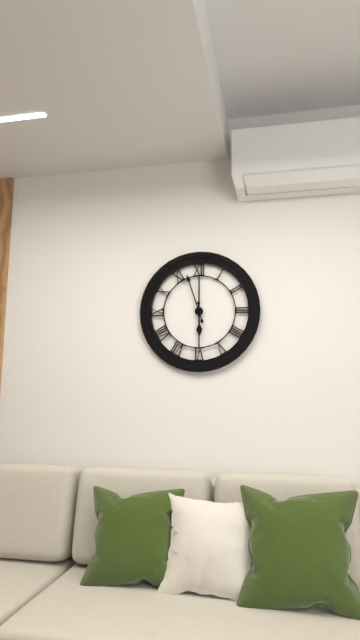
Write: 5:57
